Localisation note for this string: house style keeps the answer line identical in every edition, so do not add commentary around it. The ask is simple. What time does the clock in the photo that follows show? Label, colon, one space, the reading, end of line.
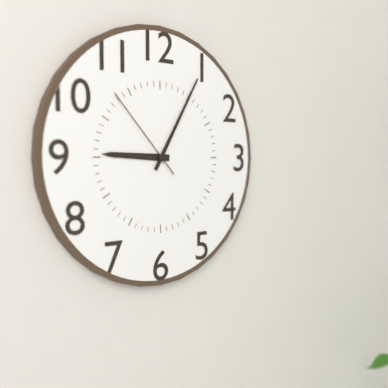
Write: 9:05:53
